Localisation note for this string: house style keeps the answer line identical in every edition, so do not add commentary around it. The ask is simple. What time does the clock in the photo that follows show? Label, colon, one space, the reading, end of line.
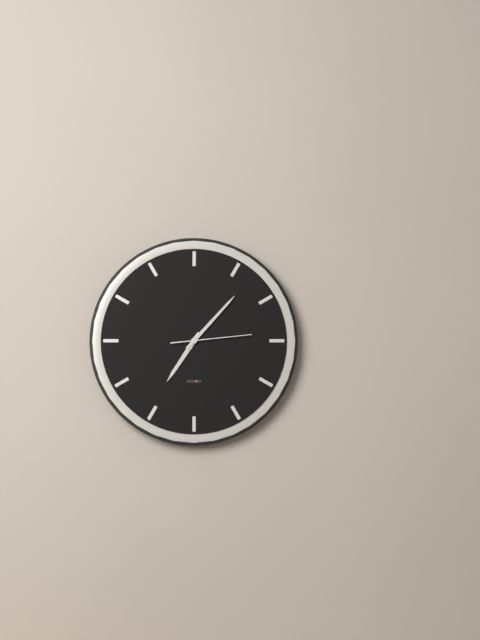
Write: 7:07:14
